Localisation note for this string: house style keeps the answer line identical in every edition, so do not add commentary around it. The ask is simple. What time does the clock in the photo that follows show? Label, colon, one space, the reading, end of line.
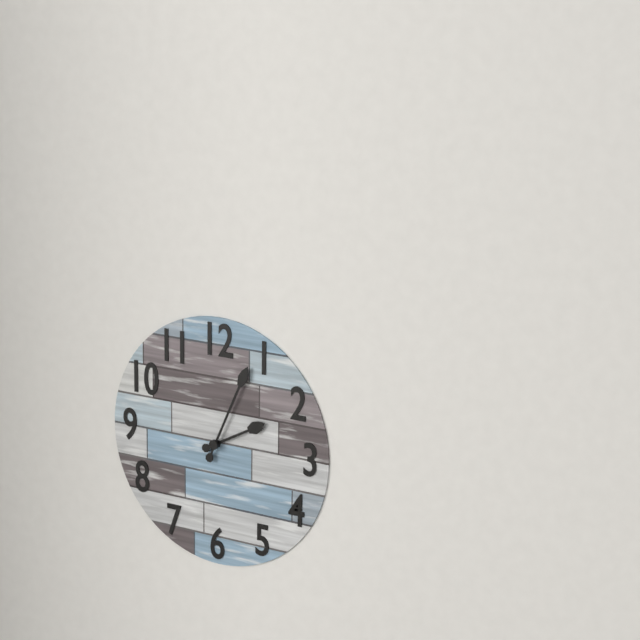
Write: 2:04
